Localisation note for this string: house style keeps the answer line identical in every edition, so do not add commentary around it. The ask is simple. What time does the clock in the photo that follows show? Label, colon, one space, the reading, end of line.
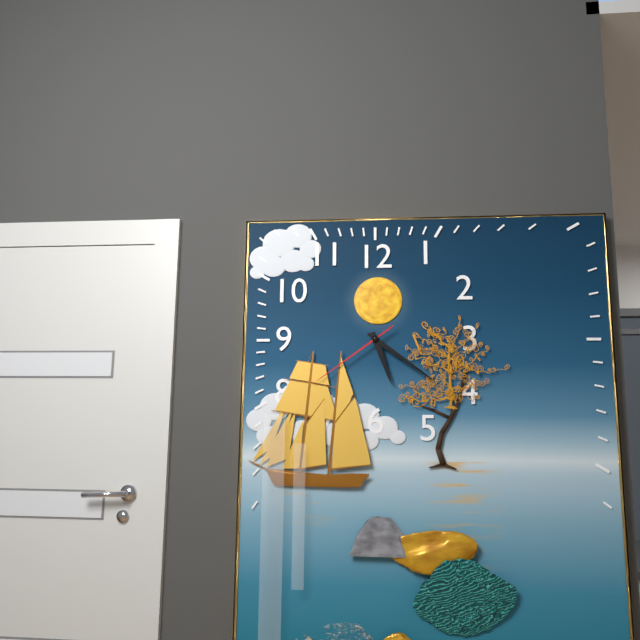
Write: 5:21:39
